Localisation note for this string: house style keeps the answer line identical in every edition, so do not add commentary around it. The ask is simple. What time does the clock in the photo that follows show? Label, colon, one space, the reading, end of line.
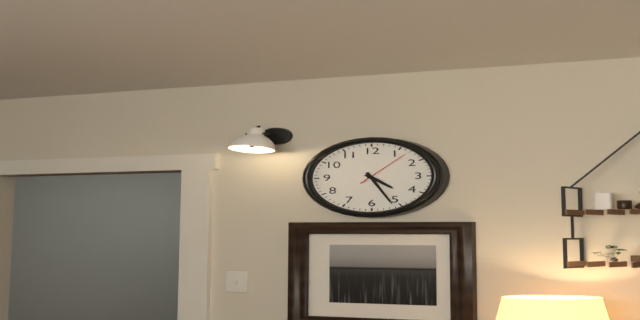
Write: 4:26:07
